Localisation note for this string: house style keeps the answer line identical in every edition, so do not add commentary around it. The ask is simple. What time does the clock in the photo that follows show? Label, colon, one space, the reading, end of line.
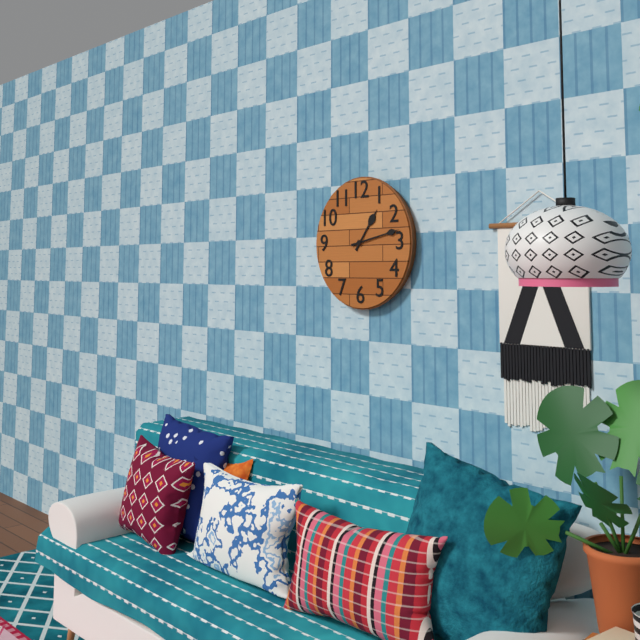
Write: 1:13
